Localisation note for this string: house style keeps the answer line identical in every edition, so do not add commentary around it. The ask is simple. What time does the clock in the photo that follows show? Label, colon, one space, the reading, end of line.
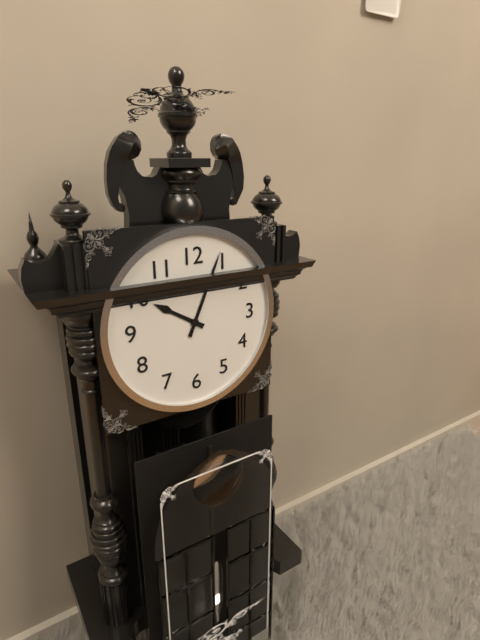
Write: 10:04
